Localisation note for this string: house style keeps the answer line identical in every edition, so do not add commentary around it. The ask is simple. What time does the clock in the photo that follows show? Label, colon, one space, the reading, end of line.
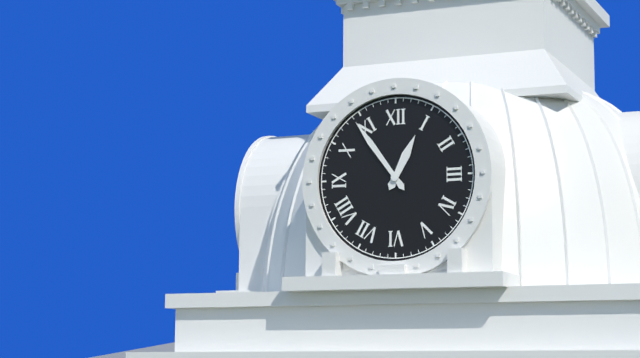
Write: 12:54
